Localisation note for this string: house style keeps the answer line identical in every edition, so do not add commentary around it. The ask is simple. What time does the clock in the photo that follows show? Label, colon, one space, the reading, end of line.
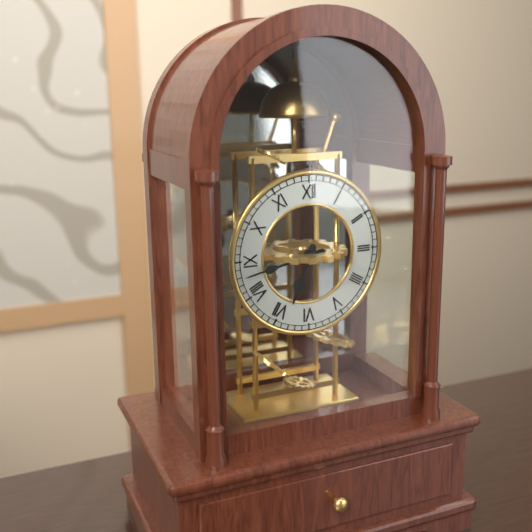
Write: 6:43
